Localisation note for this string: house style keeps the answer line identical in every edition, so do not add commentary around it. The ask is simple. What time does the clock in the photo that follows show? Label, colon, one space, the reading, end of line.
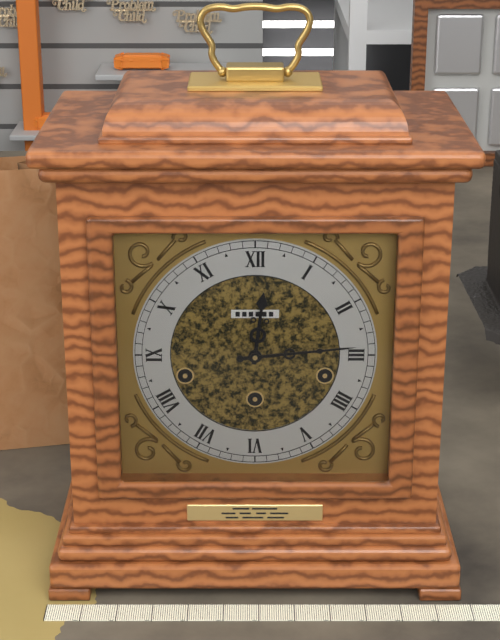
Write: 12:14
